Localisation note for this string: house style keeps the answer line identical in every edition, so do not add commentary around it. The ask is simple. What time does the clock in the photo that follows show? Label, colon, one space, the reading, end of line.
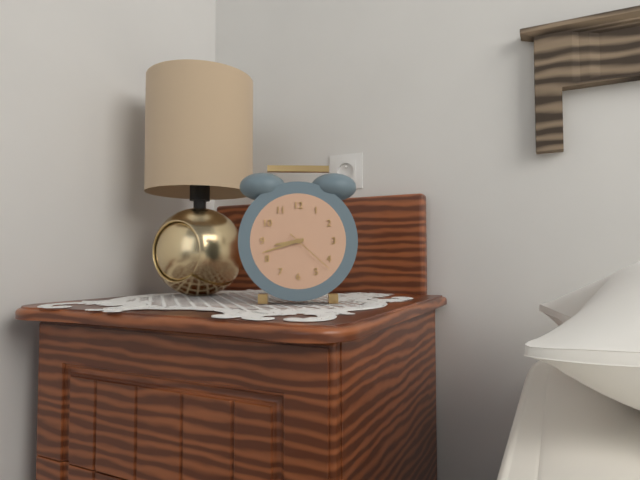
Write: 8:42:22
